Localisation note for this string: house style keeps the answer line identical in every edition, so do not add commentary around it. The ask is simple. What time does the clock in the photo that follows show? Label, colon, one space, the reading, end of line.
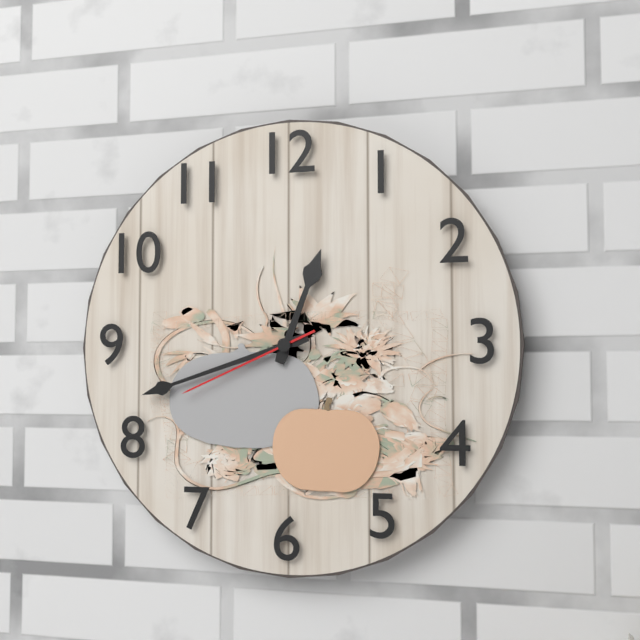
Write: 12:42:41
